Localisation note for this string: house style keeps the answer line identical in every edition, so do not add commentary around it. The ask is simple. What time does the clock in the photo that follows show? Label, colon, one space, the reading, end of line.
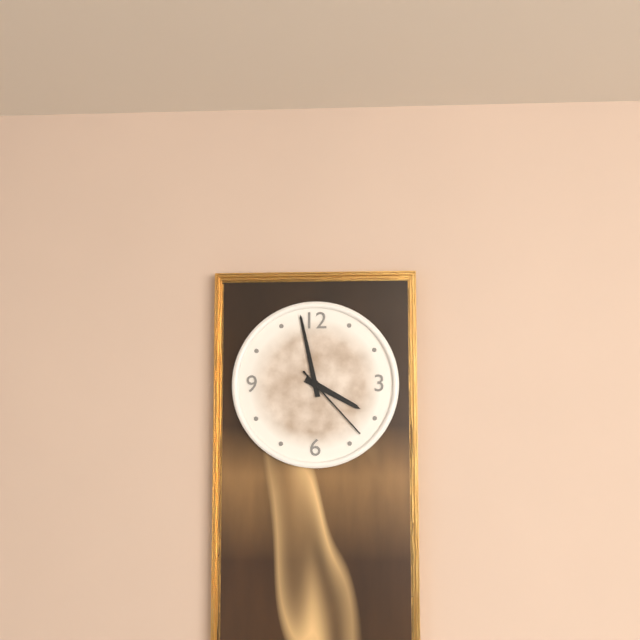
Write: 3:58:23
